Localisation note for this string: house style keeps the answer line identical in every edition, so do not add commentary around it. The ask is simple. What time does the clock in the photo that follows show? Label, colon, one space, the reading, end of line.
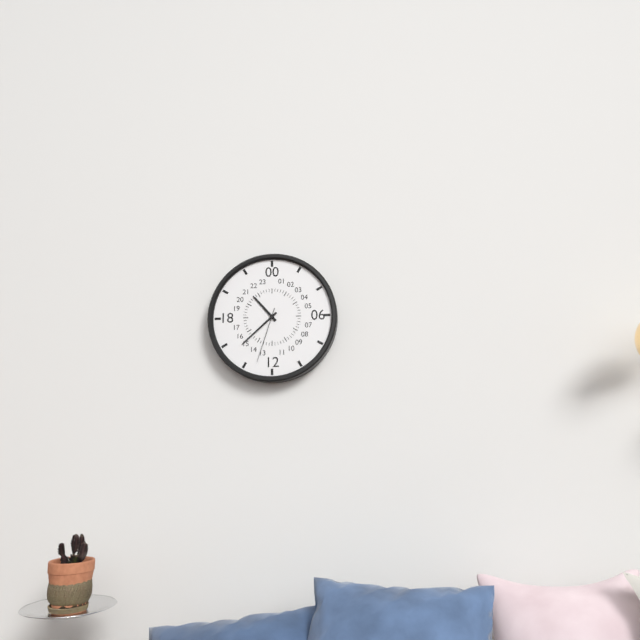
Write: 10:38:33
